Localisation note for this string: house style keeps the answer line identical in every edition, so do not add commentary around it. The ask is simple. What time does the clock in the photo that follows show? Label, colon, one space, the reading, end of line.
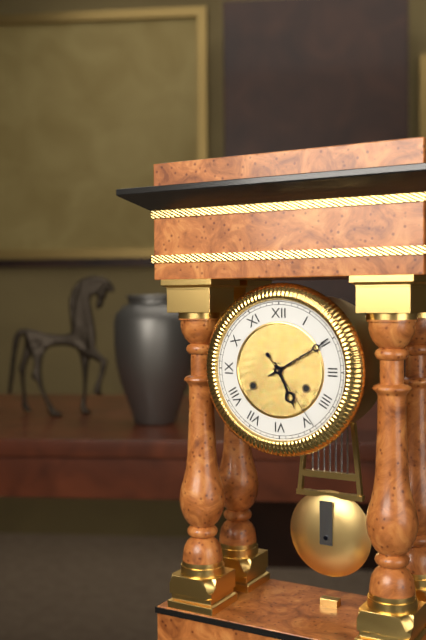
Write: 5:10:24
